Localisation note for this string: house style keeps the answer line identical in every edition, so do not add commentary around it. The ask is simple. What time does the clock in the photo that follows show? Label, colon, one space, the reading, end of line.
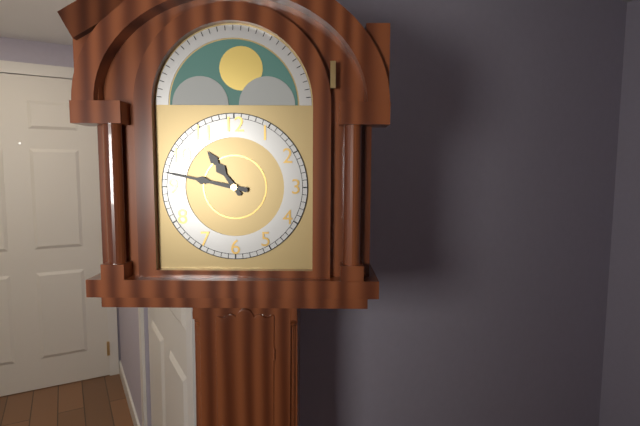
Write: 10:47
